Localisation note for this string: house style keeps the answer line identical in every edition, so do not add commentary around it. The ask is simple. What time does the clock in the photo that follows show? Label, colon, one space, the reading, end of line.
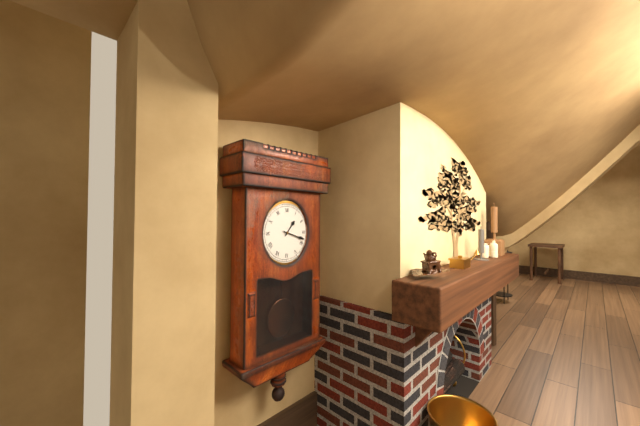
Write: 1:18
